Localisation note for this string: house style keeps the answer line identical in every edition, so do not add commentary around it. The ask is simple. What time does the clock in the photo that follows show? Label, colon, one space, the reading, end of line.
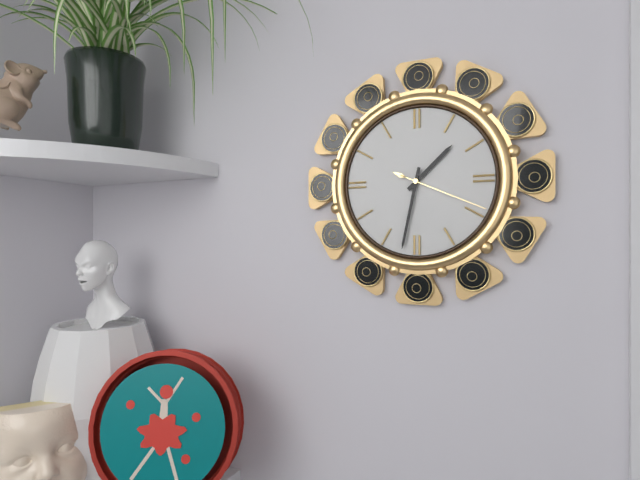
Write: 1:32:19
